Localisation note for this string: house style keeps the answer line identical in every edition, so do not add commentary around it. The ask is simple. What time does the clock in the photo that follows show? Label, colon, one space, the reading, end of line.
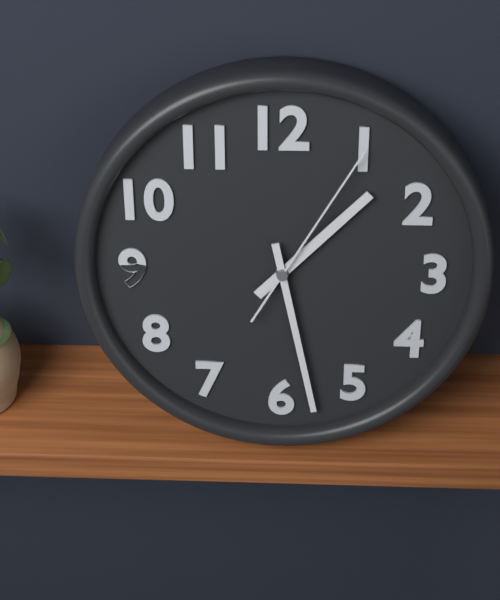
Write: 1:28:05
